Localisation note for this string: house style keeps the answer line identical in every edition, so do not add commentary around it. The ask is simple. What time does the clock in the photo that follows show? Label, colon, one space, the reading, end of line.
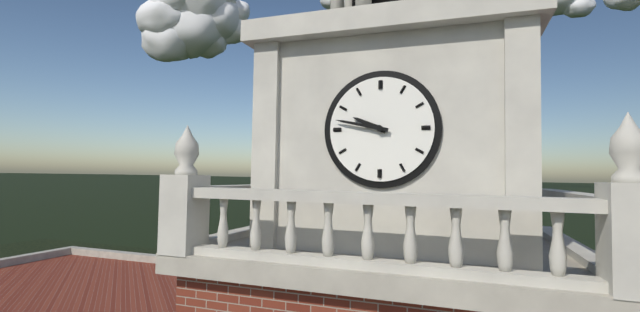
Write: 9:47
